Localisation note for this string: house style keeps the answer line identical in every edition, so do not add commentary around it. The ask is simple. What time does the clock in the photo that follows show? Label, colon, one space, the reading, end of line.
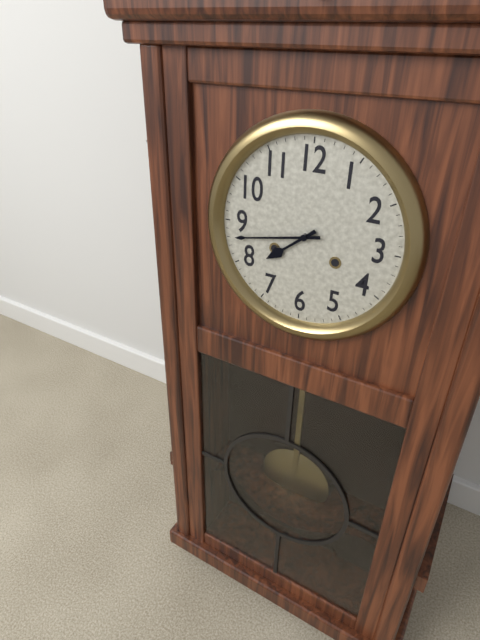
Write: 7:43
